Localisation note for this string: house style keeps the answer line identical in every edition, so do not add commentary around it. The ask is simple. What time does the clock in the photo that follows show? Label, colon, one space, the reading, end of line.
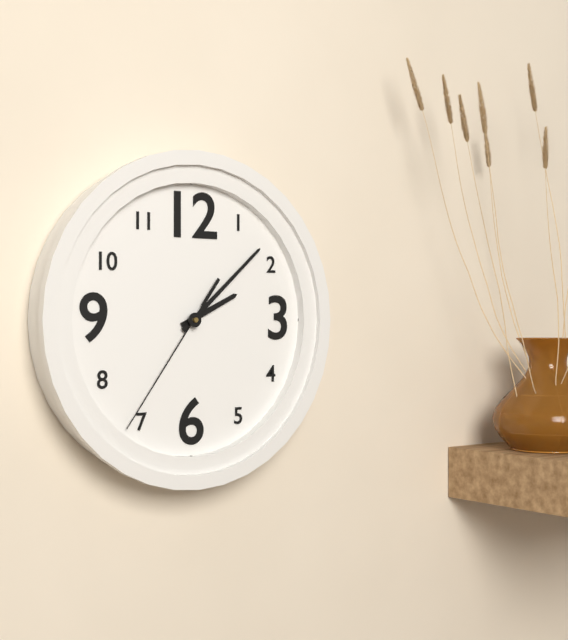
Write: 2:08:36
